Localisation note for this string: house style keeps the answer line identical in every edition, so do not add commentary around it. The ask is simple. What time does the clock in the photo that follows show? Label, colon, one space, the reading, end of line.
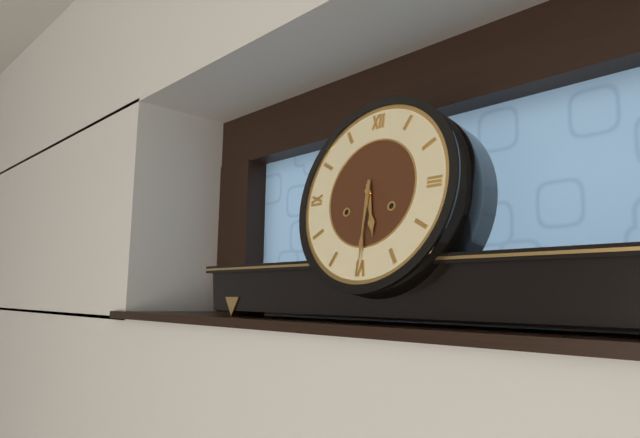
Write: 5:30
